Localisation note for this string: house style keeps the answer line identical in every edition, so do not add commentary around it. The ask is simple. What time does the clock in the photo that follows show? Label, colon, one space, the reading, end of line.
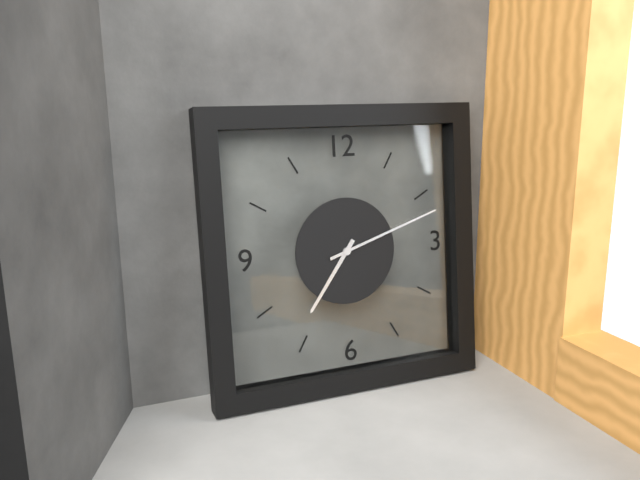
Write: 7:12
